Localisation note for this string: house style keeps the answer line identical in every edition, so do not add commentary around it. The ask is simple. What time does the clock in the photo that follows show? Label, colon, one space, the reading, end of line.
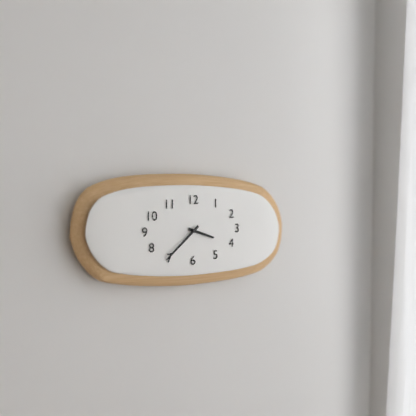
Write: 3:38
